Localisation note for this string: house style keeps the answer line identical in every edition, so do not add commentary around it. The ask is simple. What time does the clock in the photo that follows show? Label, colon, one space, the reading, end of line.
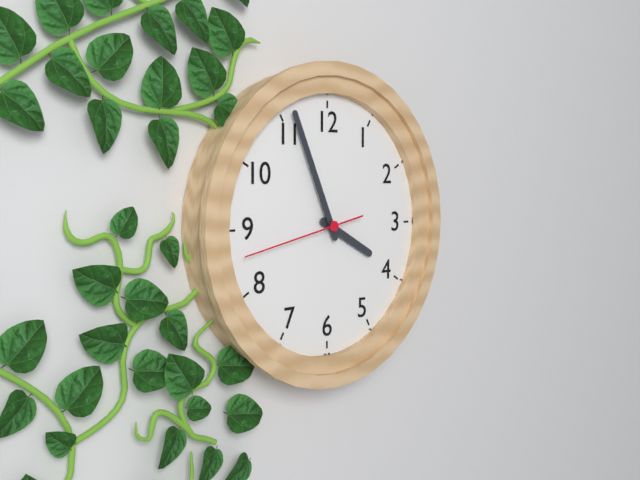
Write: 3:56:43
